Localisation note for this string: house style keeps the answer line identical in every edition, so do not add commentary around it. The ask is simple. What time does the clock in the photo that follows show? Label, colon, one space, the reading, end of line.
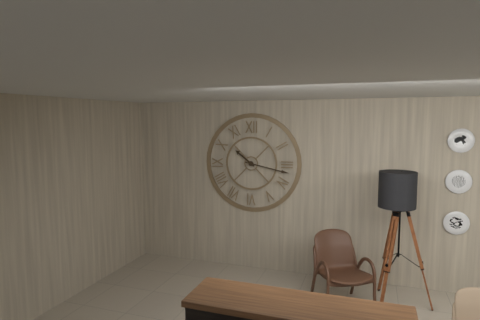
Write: 10:17
